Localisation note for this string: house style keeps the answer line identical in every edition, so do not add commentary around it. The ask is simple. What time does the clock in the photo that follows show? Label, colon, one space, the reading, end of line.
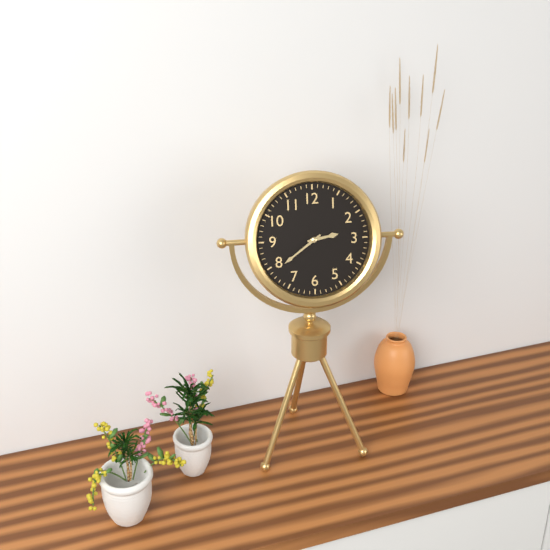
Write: 2:39
